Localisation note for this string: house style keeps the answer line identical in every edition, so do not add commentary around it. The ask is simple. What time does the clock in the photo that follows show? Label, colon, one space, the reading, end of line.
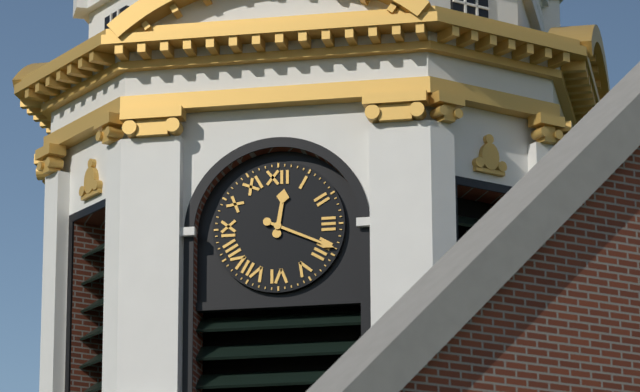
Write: 12:19
